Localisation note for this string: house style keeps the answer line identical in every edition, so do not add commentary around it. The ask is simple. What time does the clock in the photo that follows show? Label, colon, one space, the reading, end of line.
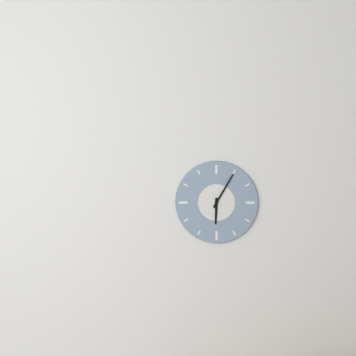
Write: 6:05
